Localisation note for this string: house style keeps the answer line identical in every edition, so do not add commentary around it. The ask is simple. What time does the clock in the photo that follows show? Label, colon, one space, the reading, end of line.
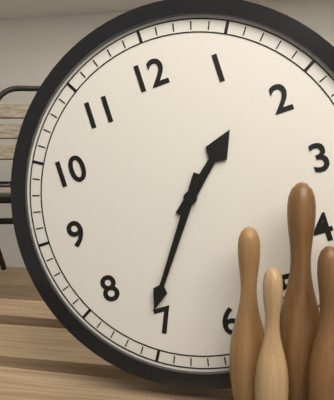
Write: 1:36
